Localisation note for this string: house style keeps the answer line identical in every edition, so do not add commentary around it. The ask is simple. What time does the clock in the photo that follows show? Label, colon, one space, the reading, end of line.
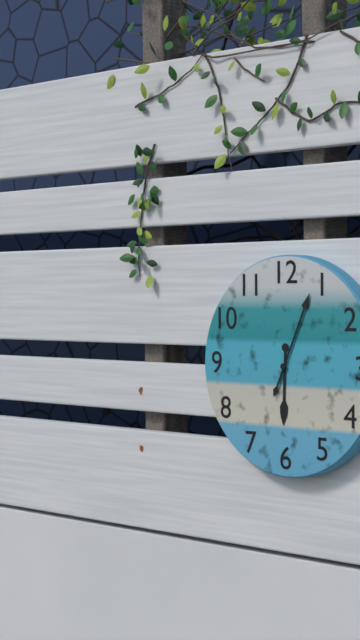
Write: 6:04
